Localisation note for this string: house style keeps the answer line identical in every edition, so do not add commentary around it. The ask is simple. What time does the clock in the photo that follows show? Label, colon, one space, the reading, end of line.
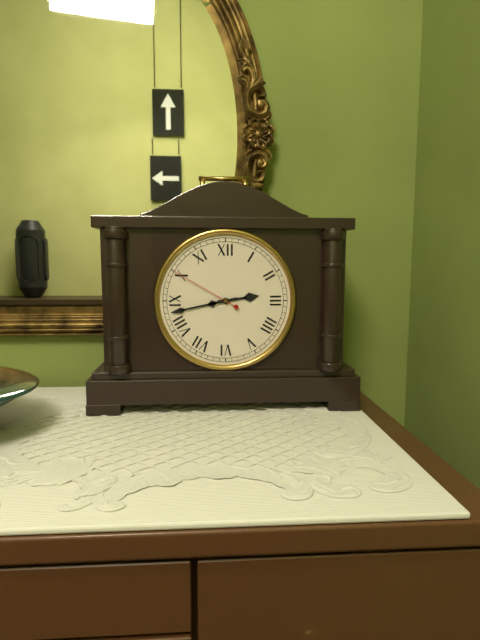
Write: 2:43:50
